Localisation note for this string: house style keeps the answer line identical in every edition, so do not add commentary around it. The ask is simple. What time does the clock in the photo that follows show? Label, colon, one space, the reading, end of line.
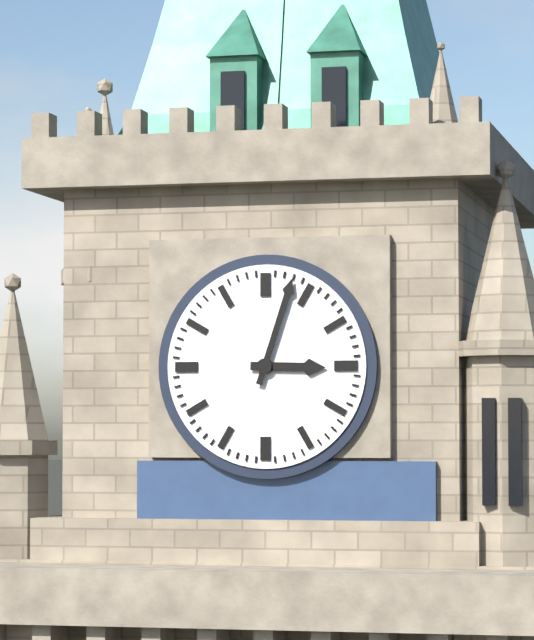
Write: 3:03
